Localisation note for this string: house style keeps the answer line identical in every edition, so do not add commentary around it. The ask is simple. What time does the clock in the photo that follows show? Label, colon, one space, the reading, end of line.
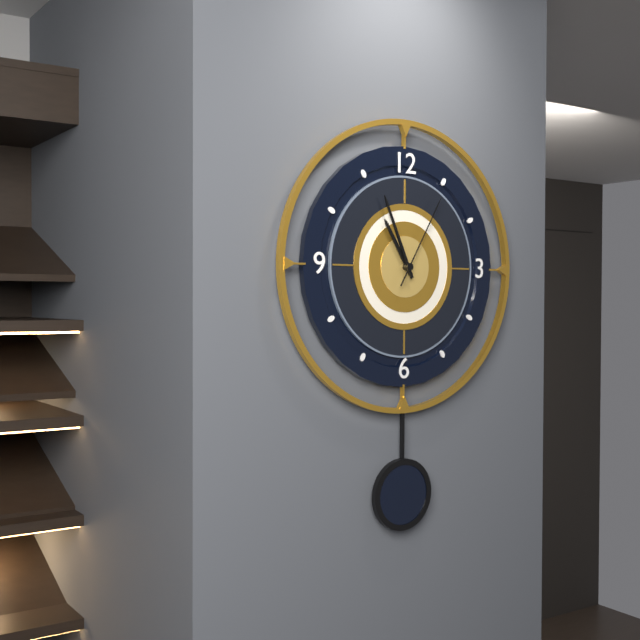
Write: 10:56:05
